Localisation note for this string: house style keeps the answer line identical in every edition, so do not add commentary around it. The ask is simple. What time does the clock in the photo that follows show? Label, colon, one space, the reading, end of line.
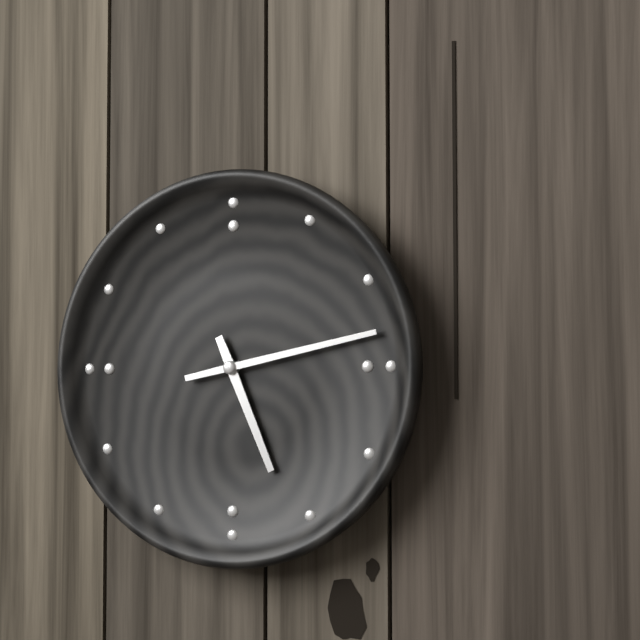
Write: 5:13
